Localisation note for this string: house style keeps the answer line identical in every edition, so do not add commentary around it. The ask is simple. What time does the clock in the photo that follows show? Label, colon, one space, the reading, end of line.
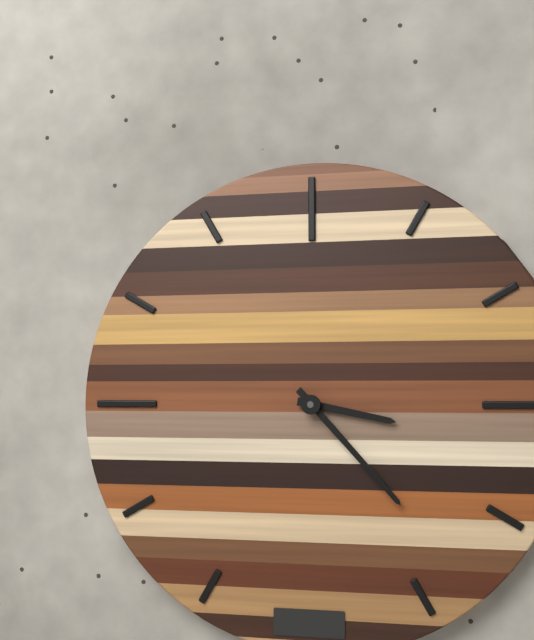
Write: 3:23
